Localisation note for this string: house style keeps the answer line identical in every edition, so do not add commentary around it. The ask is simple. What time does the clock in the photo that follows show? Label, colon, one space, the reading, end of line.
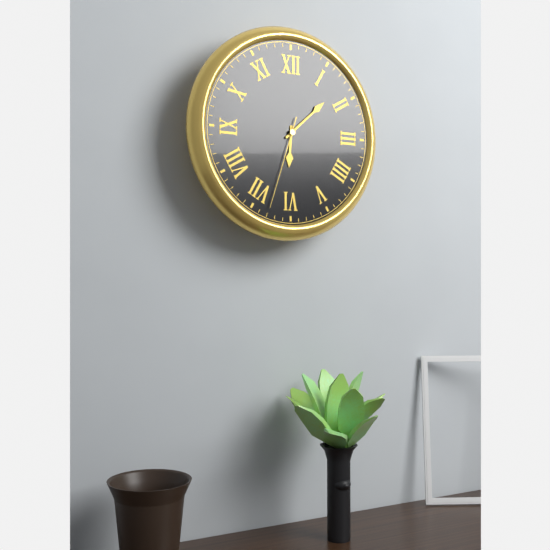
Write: 6:08:33
